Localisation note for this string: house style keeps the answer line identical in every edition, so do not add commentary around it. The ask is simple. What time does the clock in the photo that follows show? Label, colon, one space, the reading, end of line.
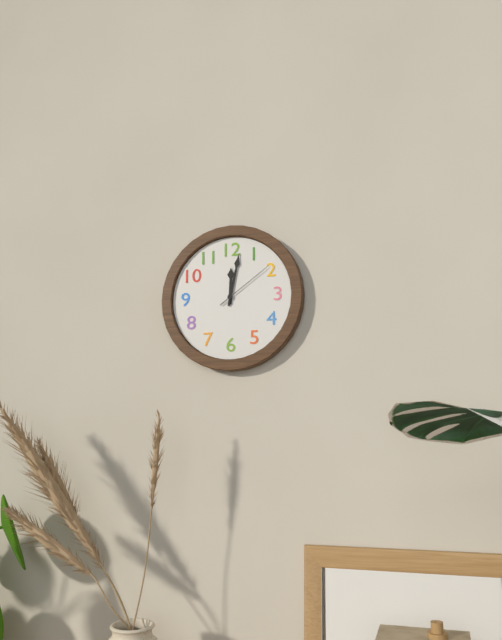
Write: 12:02:09
